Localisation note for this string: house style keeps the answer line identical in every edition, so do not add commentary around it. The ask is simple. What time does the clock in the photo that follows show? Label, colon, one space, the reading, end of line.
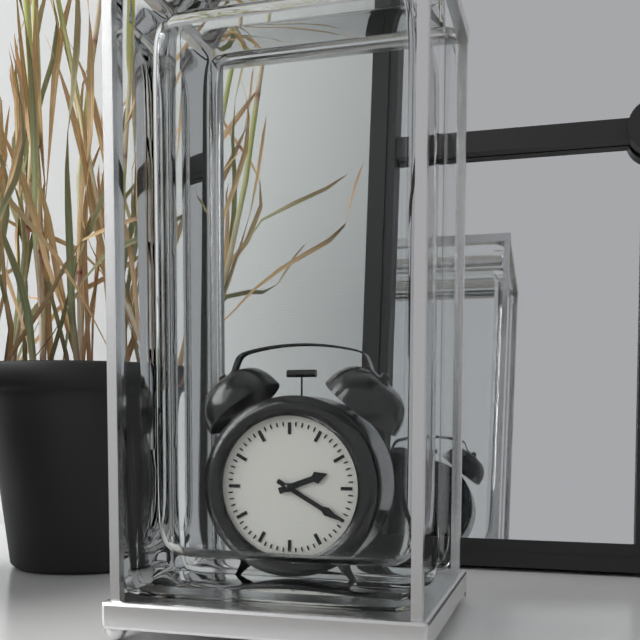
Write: 2:20
